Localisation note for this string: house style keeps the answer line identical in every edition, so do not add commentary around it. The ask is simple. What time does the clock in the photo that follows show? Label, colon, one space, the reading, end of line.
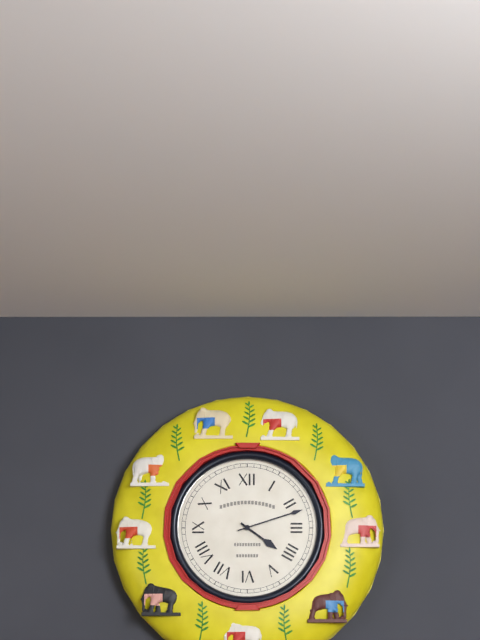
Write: 4:12
